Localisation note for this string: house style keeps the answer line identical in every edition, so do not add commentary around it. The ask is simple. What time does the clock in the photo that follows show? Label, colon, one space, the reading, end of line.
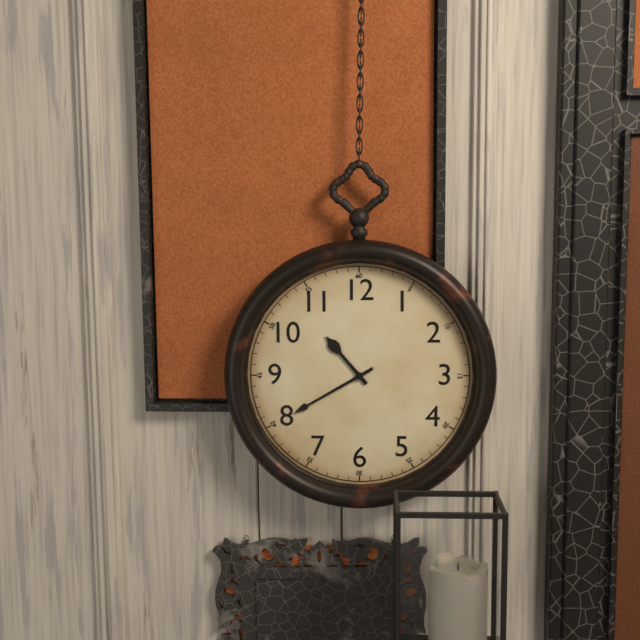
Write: 10:40
